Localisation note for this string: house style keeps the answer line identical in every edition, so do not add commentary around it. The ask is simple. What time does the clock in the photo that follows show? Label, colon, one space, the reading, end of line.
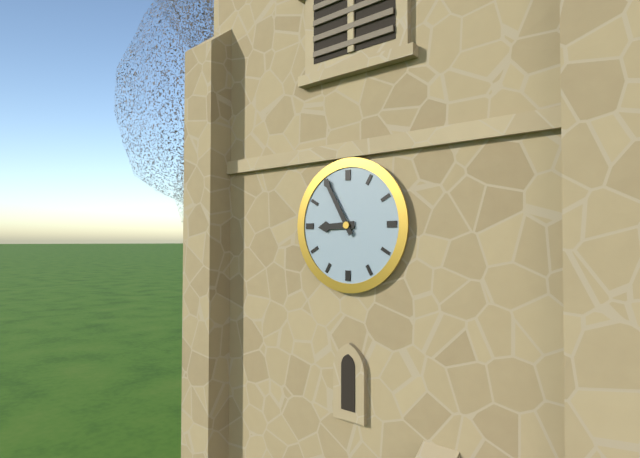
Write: 8:55
